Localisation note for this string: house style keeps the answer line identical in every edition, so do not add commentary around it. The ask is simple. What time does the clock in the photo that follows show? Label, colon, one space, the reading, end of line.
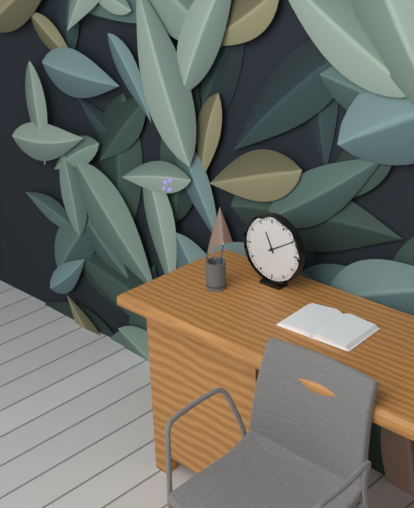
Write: 11:10
